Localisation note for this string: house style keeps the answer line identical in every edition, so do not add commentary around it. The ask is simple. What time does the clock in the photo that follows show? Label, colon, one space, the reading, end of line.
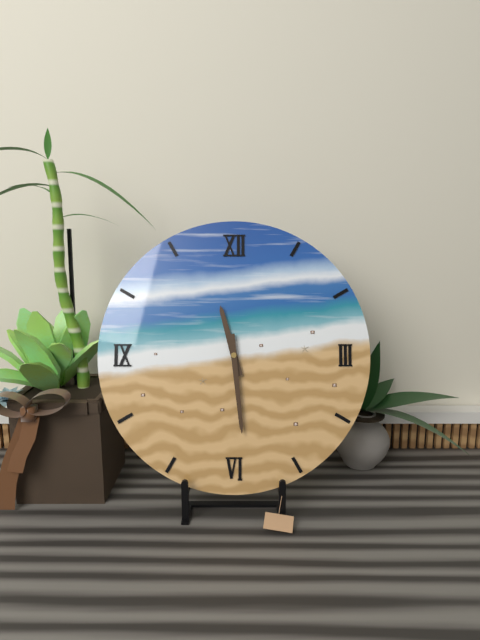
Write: 11:29
